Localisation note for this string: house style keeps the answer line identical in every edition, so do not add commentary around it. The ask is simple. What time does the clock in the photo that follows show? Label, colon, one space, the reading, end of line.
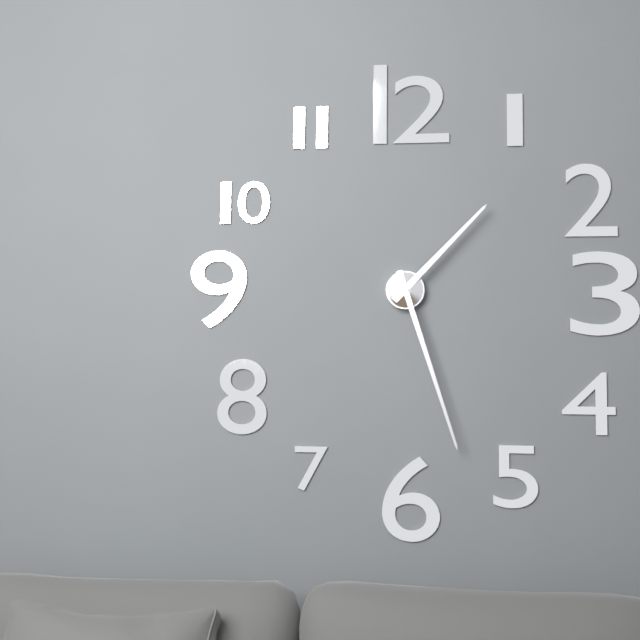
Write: 1:27
